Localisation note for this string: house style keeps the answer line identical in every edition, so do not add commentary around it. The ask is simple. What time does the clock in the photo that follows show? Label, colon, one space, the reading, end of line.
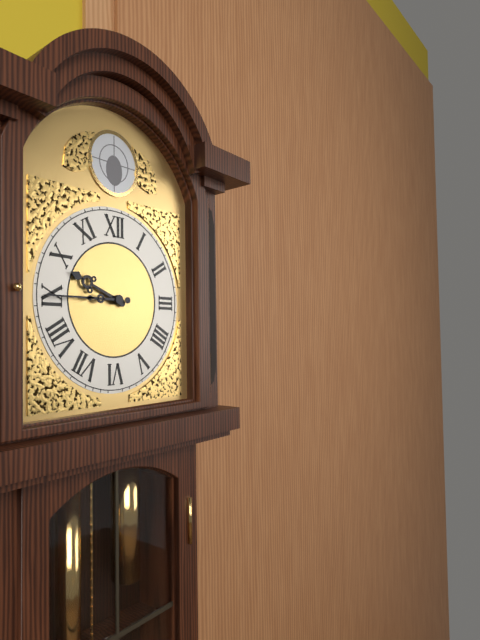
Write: 9:45
